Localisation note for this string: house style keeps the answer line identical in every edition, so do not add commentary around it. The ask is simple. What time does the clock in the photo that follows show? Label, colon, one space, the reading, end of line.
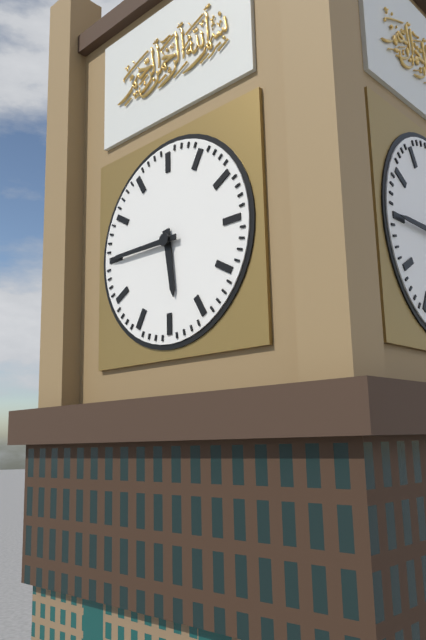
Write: 5:45
